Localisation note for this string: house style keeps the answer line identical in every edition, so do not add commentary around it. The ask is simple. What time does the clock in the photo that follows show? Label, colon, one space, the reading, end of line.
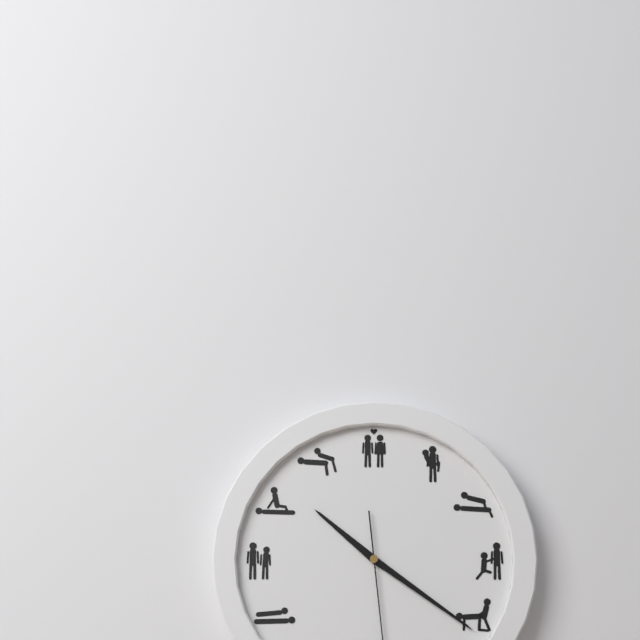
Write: 10:21
